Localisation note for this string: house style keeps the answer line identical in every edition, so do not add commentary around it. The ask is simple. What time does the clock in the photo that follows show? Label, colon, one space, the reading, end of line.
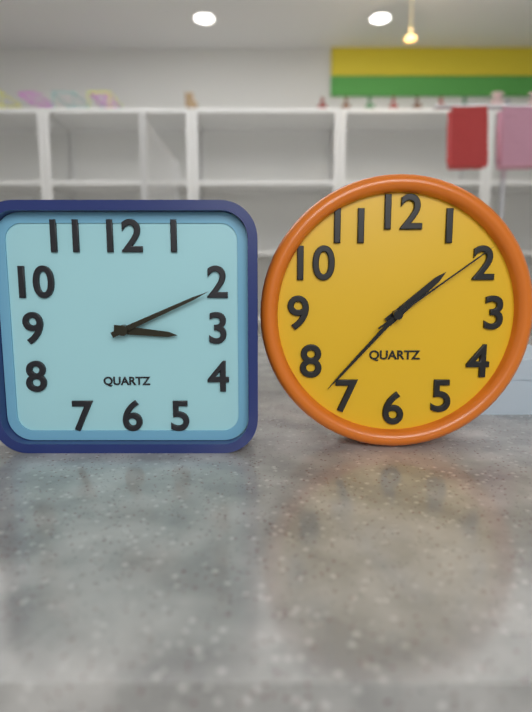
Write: 3:11
